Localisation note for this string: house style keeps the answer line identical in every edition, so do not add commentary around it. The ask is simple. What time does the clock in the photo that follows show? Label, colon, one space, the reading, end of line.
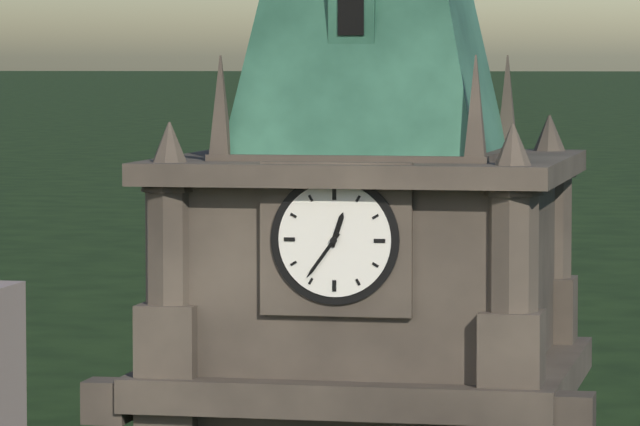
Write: 12:36
